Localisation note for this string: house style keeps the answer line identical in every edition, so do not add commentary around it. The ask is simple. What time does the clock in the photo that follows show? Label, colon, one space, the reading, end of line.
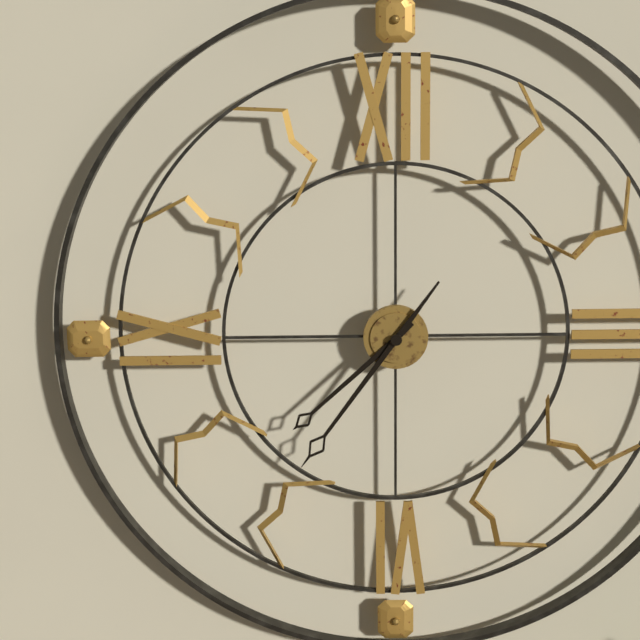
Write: 7:36
